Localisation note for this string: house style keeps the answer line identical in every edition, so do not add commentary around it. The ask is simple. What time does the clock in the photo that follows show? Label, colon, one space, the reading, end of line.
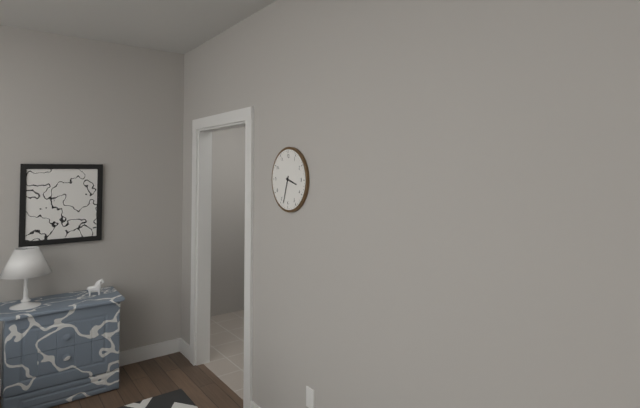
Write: 3:33
